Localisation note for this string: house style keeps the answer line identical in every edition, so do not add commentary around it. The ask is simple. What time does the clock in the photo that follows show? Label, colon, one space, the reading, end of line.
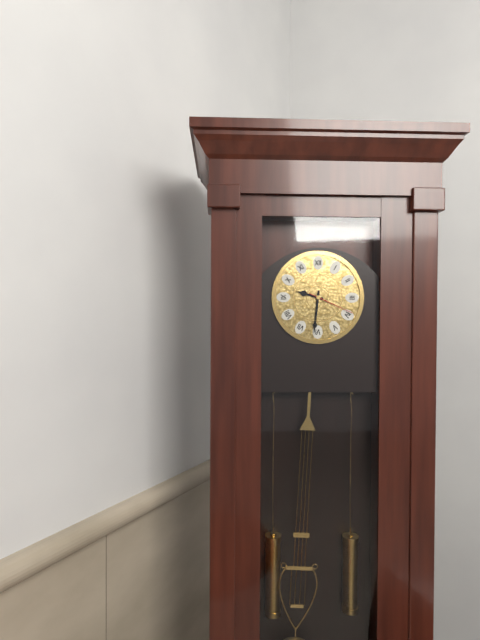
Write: 9:31
